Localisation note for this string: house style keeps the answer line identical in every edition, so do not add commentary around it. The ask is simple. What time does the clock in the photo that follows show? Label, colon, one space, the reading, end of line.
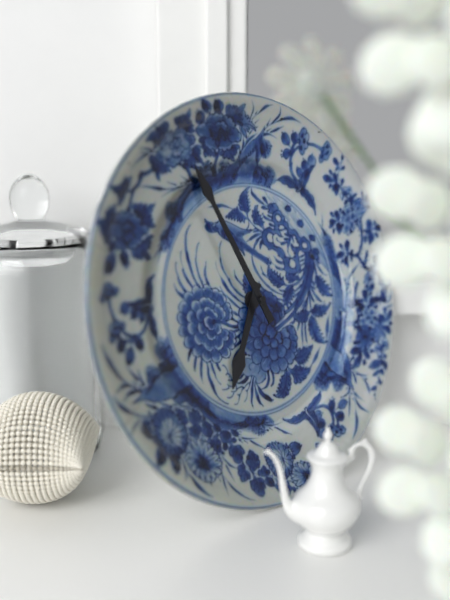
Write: 6:56
